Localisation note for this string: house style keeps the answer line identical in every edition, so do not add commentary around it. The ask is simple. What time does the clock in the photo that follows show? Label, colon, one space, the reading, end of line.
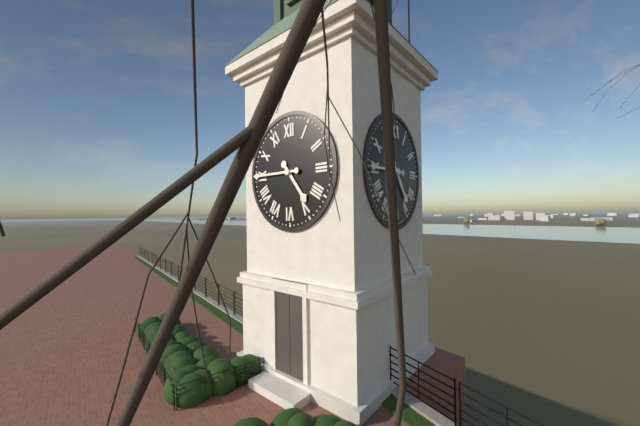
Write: 4:45
